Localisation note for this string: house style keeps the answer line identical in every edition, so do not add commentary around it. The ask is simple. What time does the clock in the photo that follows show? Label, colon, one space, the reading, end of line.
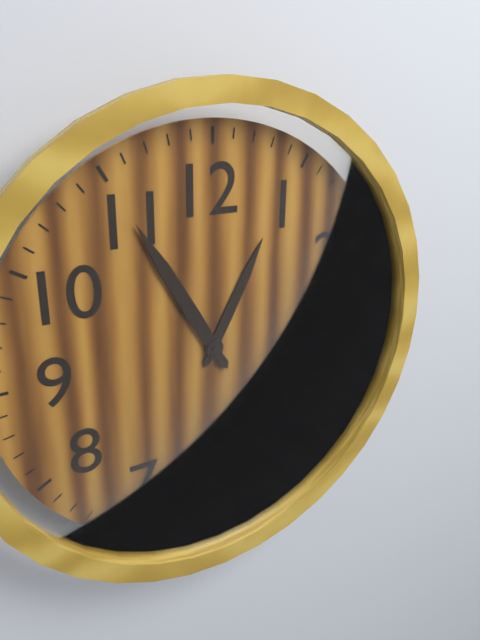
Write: 12:55
